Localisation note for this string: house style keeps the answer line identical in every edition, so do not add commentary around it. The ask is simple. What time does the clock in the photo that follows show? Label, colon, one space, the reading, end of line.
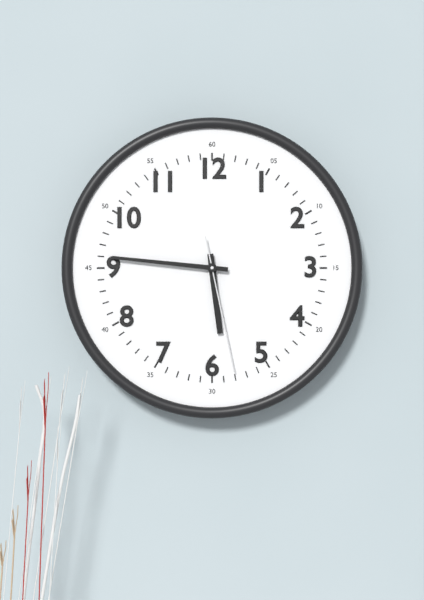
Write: 5:46:28
